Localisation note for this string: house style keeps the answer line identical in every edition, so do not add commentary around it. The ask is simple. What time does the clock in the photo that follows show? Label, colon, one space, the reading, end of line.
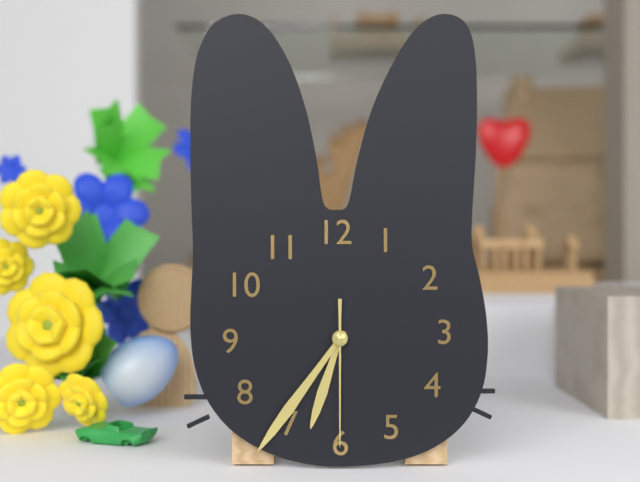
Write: 6:36:30
